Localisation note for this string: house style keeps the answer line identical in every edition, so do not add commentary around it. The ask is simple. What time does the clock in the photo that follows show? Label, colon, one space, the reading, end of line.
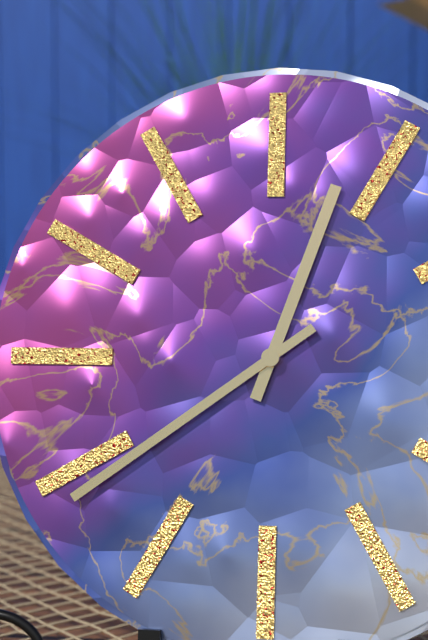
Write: 12:39
